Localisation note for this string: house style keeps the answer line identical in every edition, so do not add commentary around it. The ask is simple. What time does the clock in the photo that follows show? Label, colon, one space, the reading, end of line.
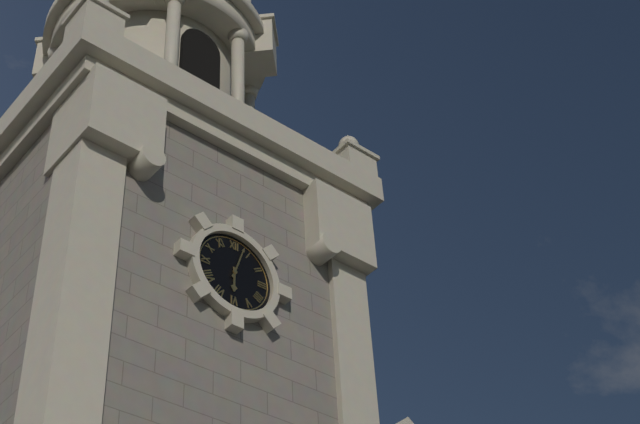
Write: 6:03
